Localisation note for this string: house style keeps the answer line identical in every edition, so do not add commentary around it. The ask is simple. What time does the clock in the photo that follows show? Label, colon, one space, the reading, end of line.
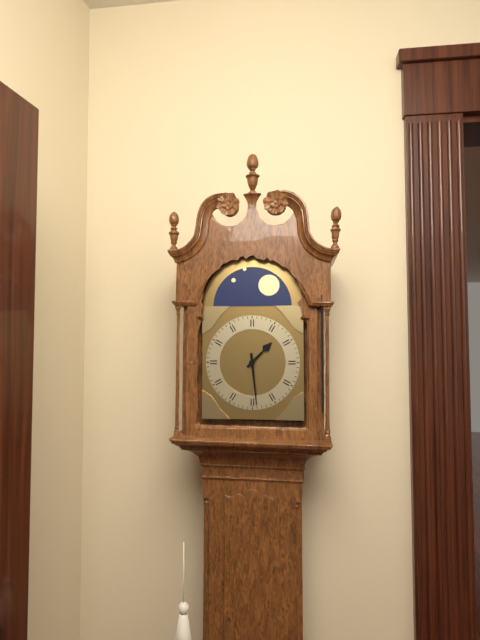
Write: 1:29
